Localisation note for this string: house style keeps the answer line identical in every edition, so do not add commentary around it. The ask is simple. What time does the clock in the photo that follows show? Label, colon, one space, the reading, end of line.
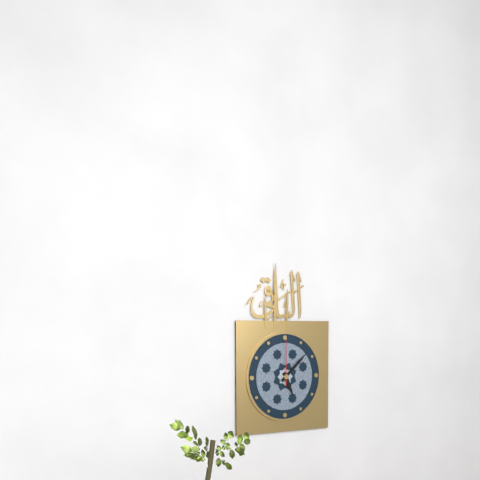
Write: 5:08
